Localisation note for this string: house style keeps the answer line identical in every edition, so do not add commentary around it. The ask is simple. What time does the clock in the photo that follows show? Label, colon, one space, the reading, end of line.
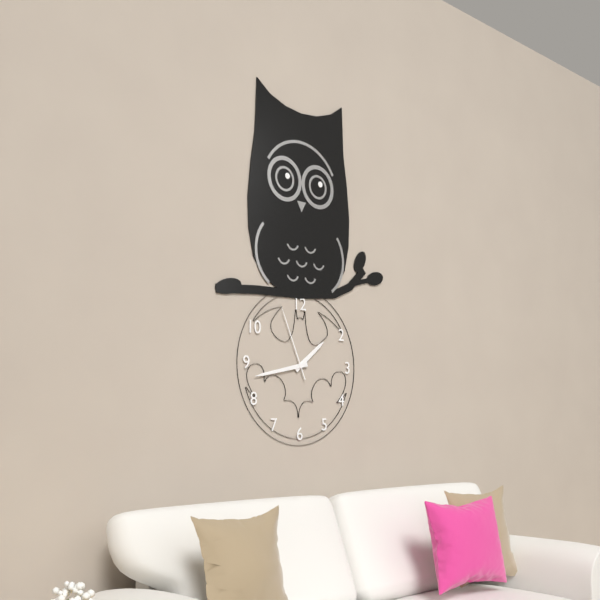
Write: 1:43:56
